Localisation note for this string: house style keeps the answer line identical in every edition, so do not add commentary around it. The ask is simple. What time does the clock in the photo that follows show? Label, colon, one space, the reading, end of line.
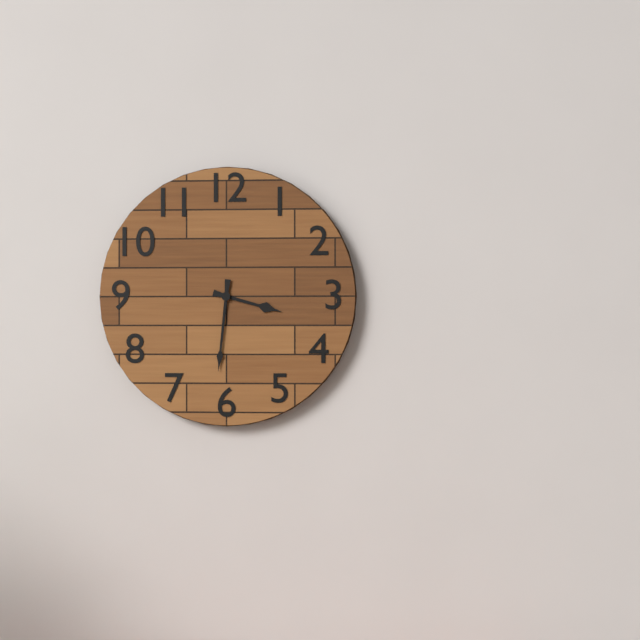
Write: 3:31
